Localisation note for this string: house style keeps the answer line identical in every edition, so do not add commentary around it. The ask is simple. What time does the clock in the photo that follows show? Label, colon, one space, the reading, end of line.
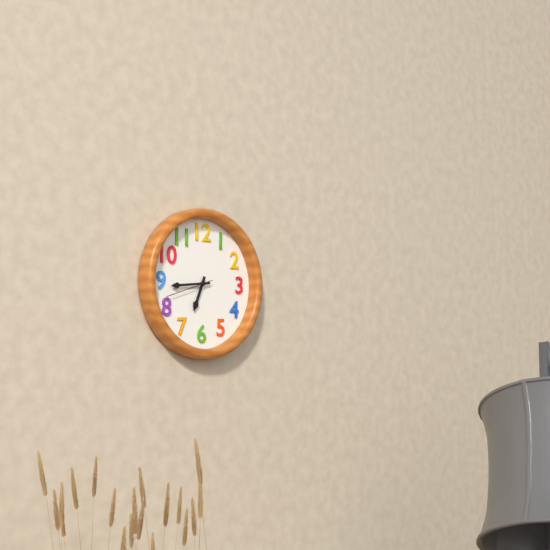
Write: 6:44
